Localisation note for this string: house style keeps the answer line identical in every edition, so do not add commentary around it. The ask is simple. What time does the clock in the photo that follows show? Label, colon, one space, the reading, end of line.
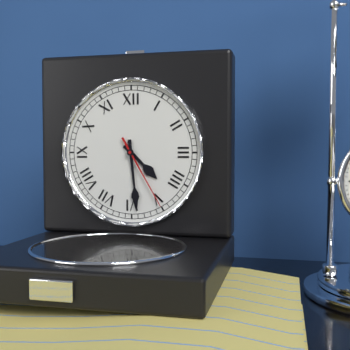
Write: 4:29:25
